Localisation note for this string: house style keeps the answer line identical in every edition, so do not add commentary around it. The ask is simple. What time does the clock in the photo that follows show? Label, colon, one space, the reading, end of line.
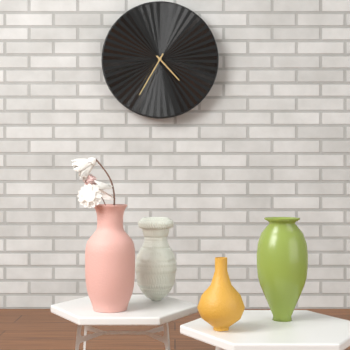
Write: 4:35
